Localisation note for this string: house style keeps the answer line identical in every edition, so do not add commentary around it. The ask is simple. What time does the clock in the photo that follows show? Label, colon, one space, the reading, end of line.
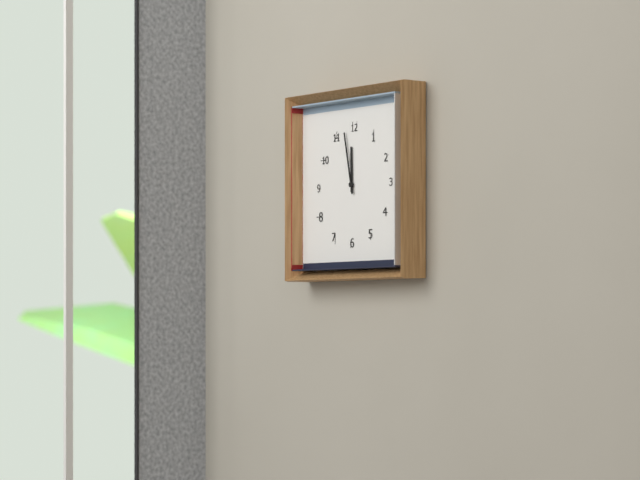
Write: 11:58
